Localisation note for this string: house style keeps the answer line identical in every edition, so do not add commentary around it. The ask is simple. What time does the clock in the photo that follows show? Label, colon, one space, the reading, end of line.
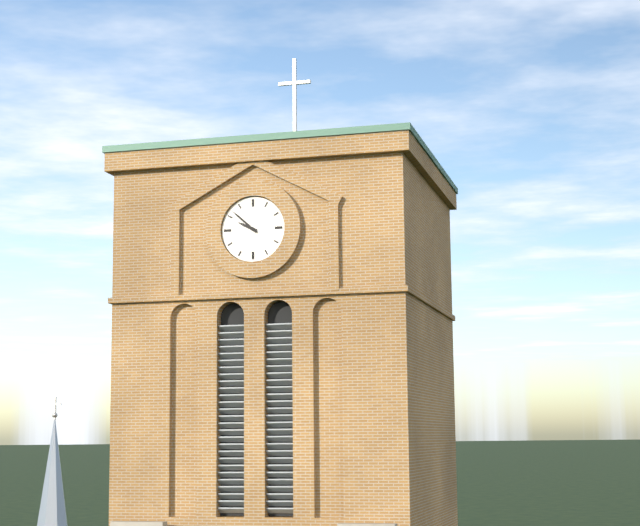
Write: 9:52
